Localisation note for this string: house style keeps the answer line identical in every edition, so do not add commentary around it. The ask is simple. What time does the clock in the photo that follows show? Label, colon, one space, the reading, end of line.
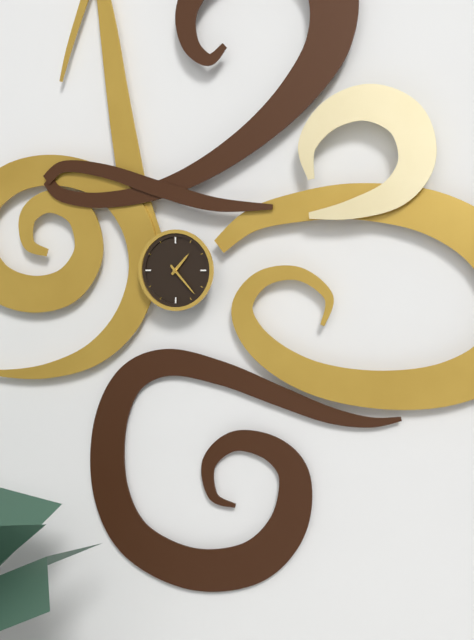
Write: 1:23
